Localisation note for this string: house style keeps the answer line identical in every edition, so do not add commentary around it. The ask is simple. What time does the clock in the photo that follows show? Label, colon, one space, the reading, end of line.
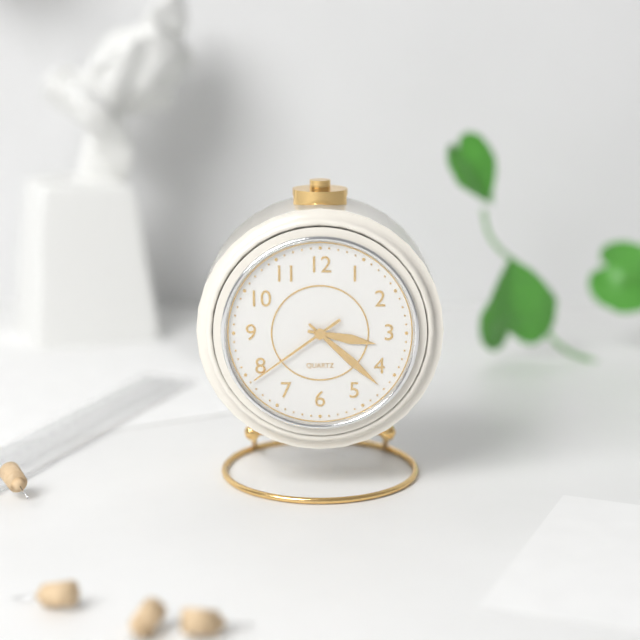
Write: 3:22:39
